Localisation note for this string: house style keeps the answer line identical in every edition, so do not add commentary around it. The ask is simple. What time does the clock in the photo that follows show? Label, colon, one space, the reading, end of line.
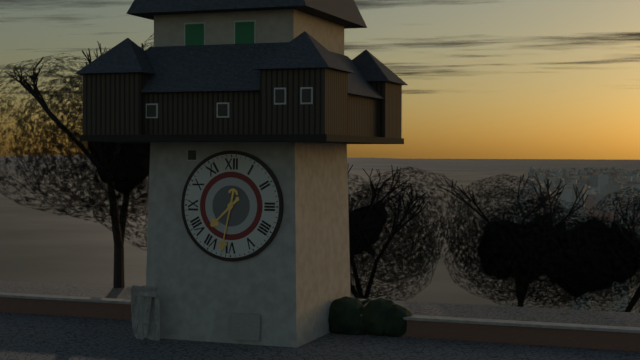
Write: 7:32
